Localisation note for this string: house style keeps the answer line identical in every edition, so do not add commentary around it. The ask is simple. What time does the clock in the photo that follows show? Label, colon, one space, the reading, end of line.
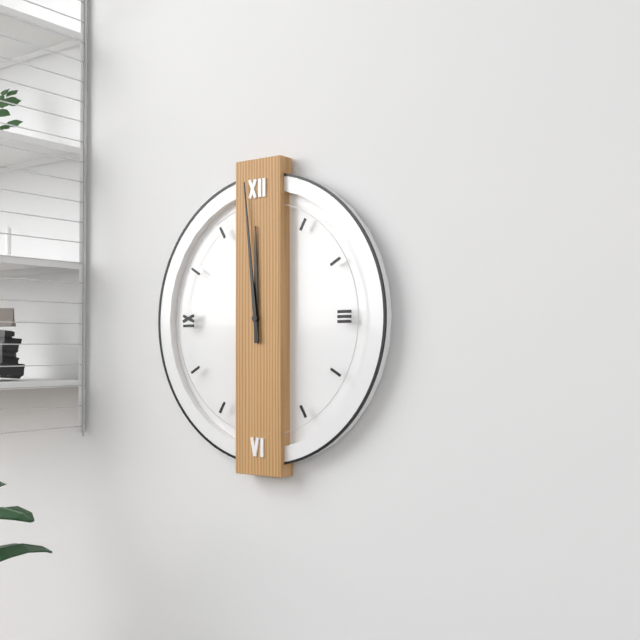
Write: 11:59
